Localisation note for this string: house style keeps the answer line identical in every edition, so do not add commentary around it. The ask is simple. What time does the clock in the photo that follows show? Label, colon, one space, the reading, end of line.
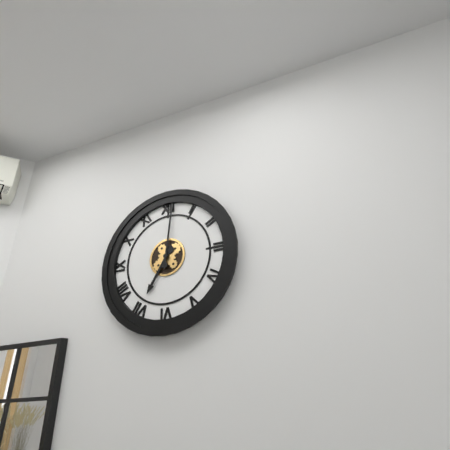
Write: 7:01
